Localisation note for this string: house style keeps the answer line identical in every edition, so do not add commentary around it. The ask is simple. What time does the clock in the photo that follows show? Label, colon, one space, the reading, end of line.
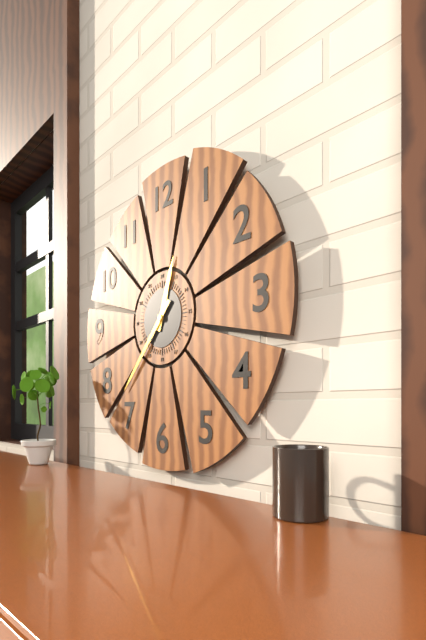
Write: 12:37
